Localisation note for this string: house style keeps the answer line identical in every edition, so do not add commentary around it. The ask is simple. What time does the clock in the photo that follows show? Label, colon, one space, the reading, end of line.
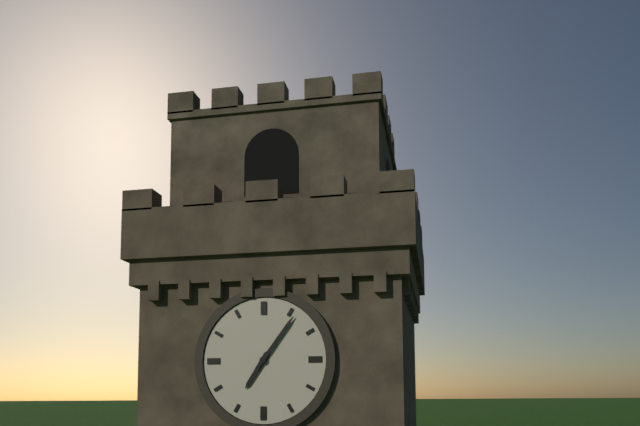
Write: 7:06
